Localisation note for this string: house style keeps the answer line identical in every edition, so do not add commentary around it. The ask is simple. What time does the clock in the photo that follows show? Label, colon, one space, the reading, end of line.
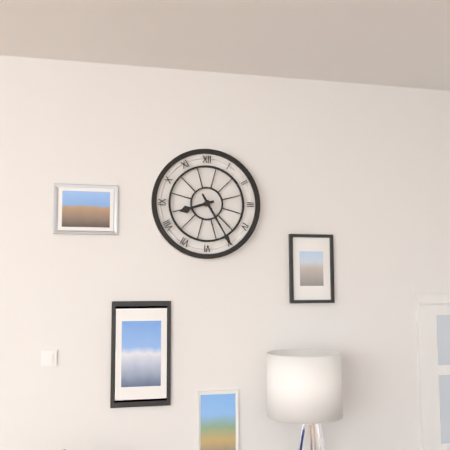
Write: 8:25
